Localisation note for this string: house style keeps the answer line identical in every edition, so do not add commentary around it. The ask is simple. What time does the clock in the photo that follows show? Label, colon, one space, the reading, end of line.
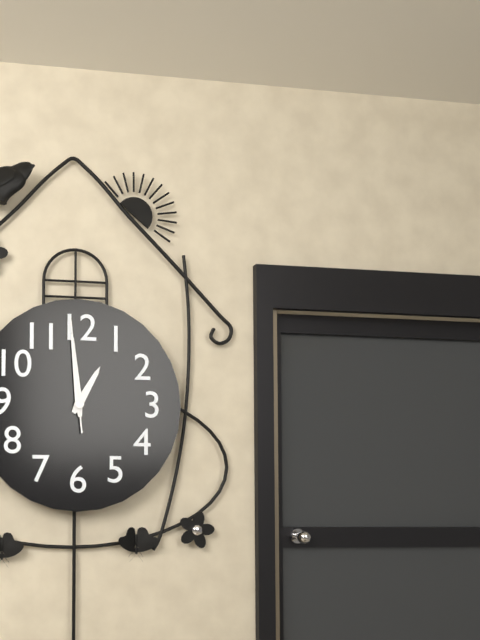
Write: 12:59:59
